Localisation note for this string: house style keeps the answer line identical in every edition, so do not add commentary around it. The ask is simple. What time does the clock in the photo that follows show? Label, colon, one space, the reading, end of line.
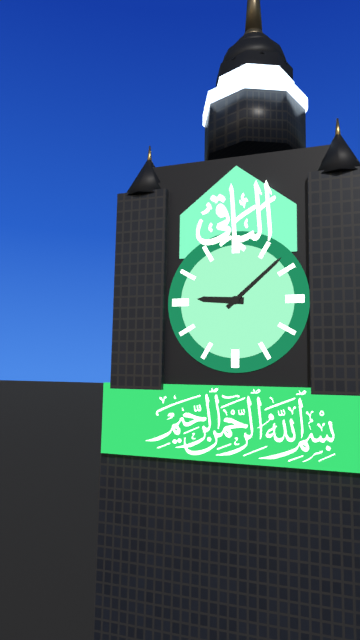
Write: 9:08
